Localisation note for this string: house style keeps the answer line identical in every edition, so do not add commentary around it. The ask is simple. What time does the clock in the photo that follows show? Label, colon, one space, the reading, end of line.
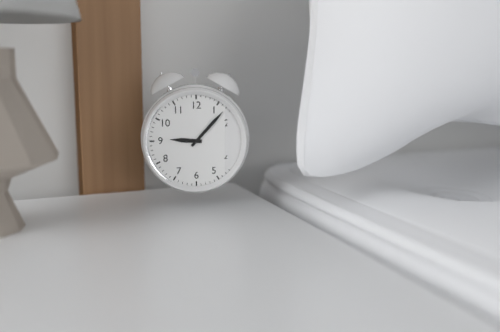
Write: 9:07
